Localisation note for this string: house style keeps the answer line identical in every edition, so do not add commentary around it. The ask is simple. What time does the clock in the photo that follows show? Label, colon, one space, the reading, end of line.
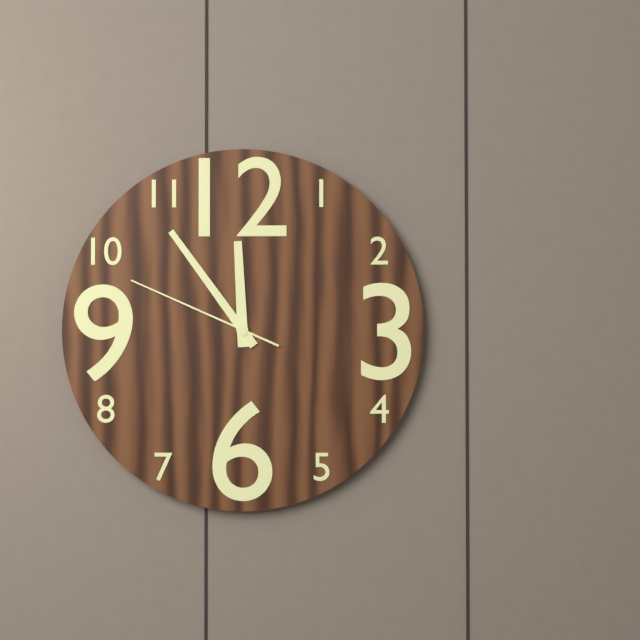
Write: 11:54:49
